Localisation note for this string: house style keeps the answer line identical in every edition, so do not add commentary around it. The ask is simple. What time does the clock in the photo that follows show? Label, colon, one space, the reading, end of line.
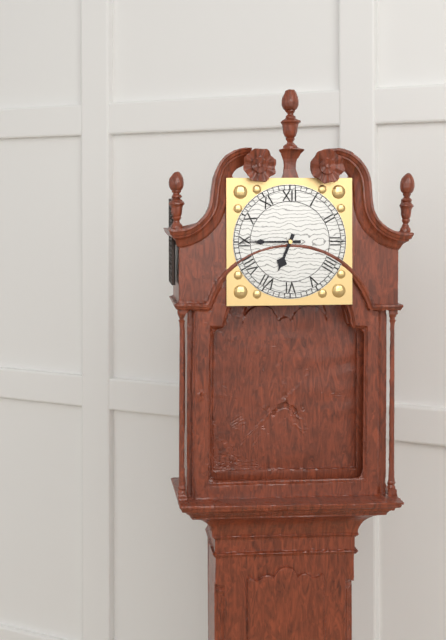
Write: 6:45
